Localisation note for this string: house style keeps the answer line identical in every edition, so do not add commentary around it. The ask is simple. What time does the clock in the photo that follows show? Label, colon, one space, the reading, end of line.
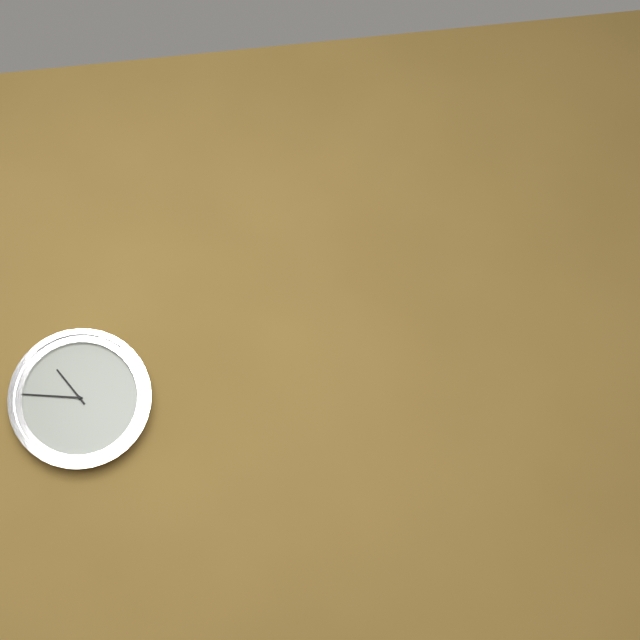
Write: 10:46
